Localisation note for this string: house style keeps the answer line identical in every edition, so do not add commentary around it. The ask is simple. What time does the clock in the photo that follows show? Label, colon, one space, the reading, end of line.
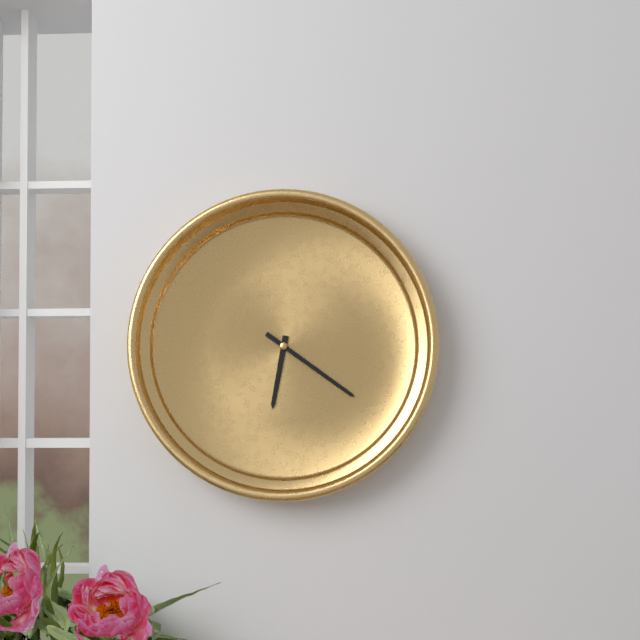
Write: 6:21
